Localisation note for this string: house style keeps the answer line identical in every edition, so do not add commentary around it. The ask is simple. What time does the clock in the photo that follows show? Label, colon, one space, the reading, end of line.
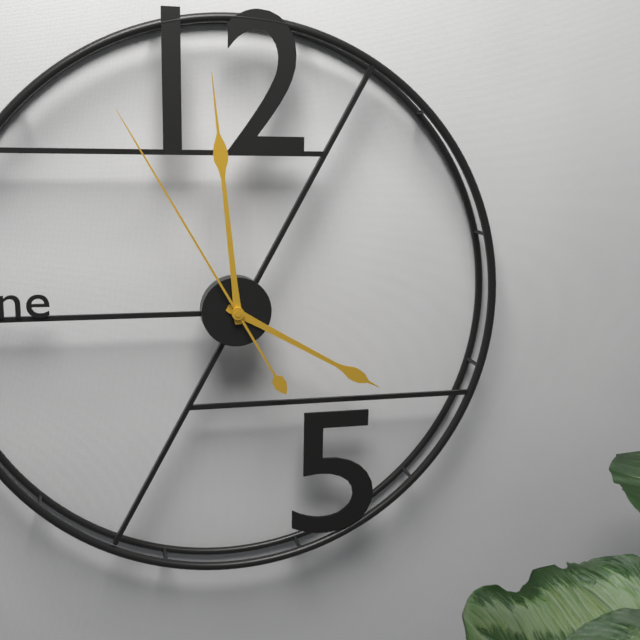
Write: 3:59:55
